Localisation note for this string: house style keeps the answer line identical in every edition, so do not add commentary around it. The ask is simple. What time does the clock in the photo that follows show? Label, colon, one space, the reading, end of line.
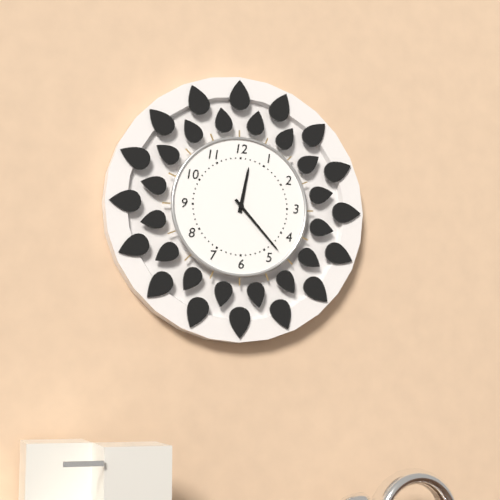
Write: 12:23
